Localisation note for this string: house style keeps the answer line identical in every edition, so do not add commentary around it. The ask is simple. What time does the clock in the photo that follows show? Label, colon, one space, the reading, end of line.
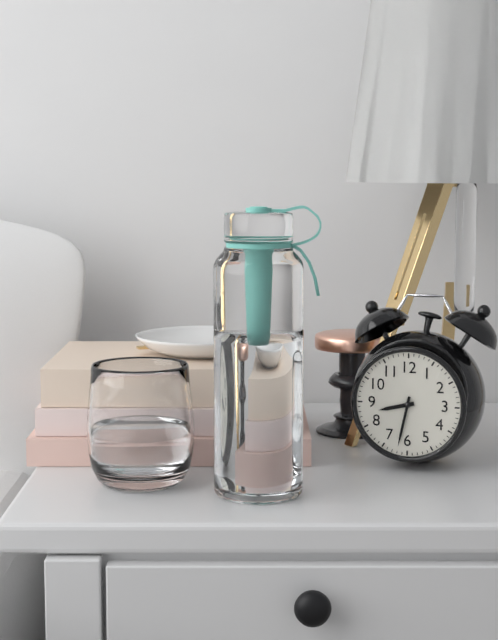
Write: 8:32
